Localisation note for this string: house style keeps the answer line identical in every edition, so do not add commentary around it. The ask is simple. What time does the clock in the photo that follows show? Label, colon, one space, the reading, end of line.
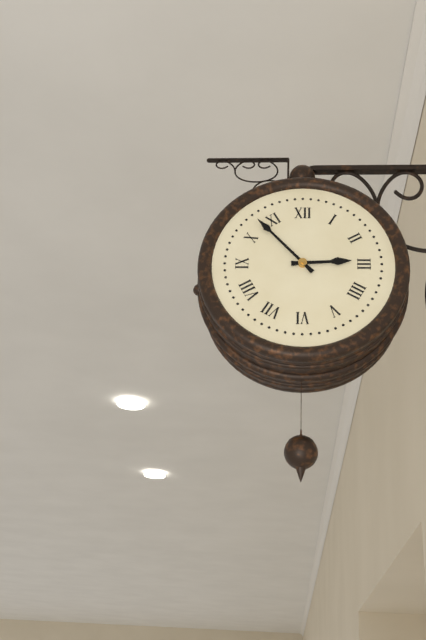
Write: 2:53
